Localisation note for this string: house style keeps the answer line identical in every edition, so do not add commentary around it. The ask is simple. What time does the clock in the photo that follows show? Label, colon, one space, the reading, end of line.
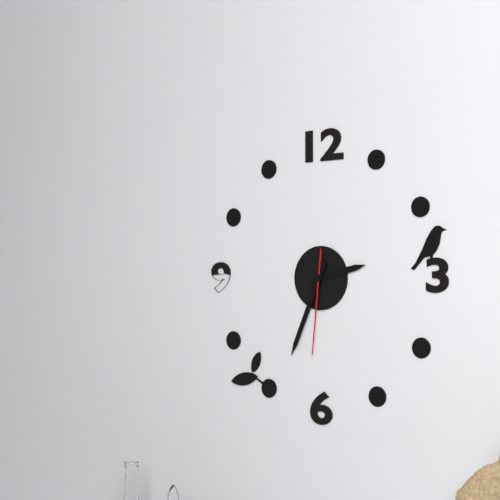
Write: 2:34:31
